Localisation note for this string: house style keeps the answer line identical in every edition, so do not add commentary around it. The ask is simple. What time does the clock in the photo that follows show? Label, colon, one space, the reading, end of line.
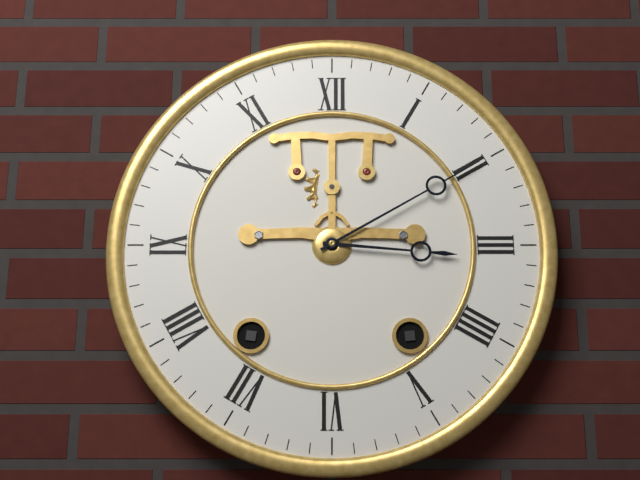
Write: 3:10
